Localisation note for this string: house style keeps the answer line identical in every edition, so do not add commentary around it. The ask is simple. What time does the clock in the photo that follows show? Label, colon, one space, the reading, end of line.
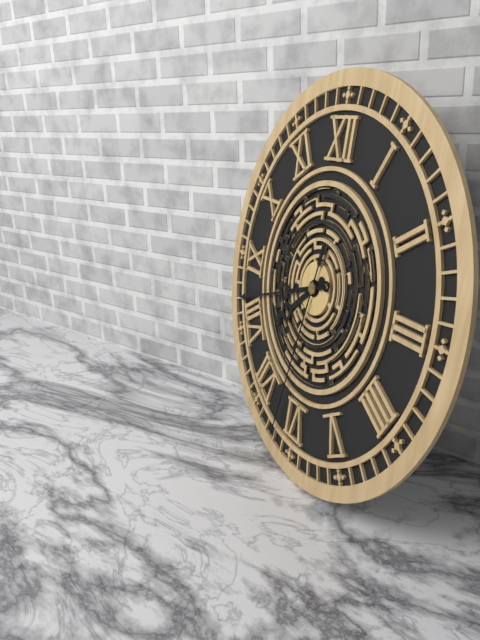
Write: 7:42:32
